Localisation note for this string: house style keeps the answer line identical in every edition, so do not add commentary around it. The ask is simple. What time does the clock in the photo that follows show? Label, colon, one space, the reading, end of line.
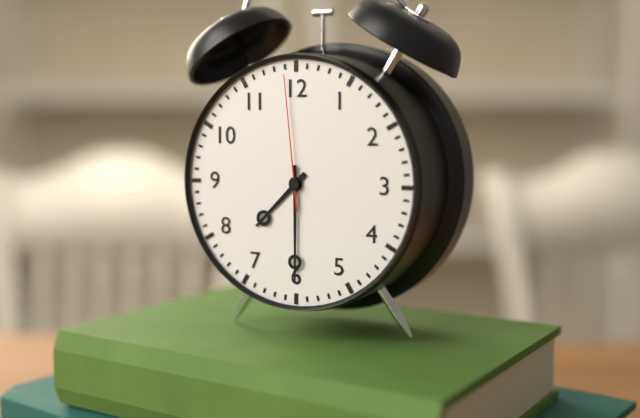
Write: 7:30:59
